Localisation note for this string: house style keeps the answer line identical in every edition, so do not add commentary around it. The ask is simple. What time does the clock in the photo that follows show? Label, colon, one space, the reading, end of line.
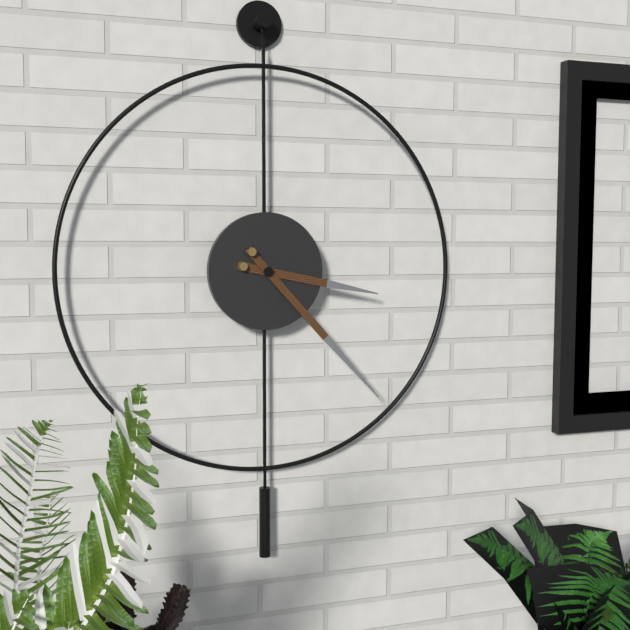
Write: 3:23
